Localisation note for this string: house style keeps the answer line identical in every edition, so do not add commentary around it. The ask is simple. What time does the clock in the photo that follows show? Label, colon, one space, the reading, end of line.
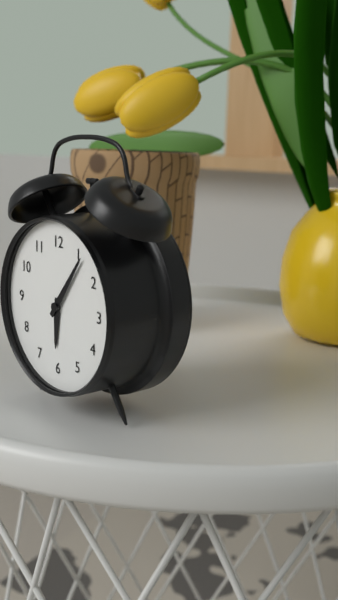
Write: 6:06
